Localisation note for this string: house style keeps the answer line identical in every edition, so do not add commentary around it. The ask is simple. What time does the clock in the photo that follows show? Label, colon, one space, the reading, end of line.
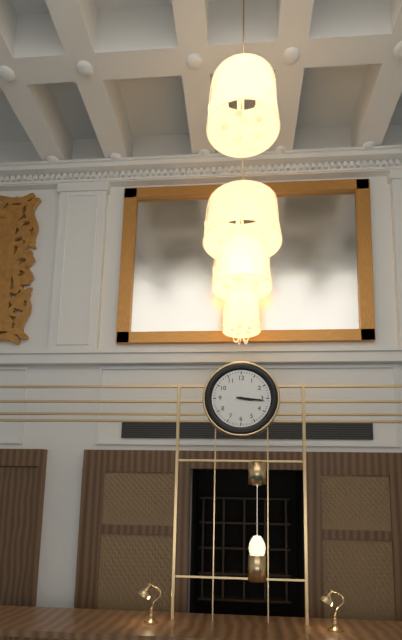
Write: 3:16
